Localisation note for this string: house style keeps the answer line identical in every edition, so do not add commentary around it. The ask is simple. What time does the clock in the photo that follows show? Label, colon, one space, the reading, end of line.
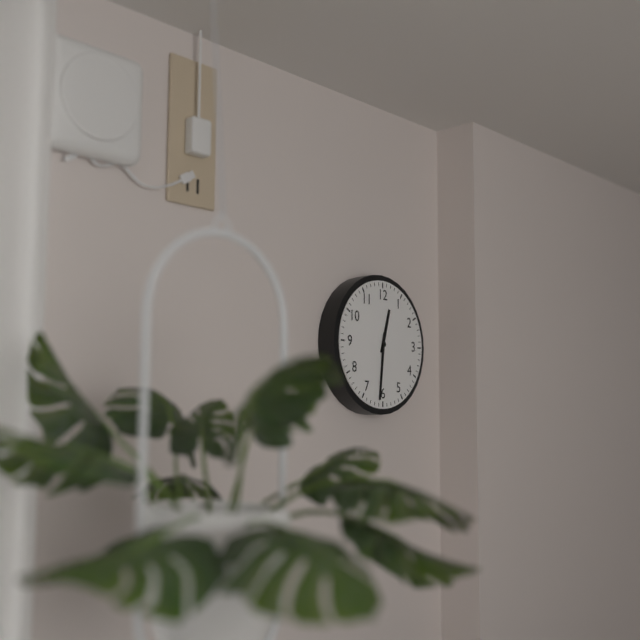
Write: 12:31
